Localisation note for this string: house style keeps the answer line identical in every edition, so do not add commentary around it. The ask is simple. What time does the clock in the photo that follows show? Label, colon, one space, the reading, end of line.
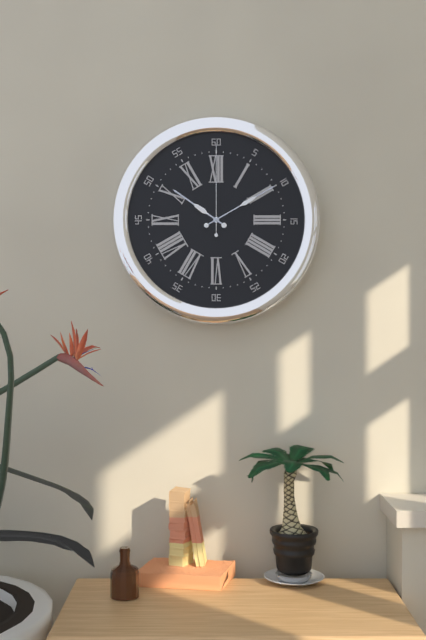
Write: 10:10:00
